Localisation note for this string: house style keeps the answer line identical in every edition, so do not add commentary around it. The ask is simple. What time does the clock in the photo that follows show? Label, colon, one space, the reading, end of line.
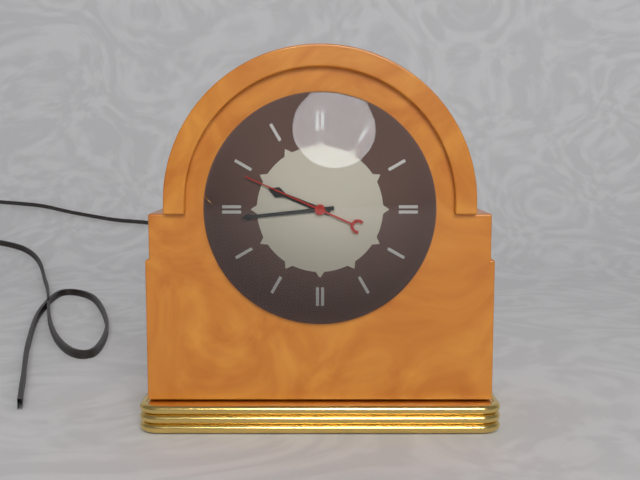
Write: 9:44:49
